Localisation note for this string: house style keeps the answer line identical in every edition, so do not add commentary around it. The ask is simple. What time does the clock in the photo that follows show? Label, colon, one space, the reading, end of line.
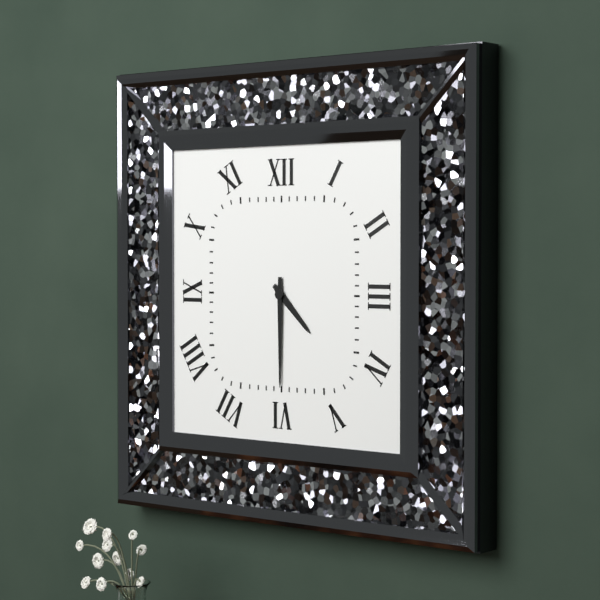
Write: 4:30
